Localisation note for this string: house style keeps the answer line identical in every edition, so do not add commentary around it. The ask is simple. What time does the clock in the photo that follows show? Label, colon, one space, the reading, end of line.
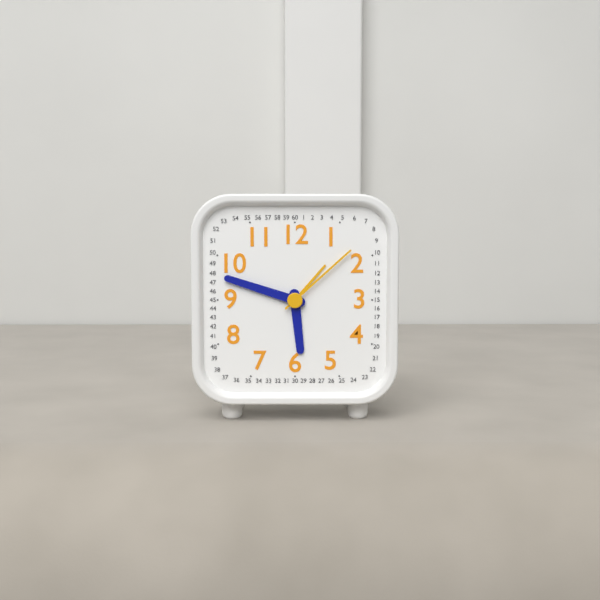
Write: 5:48:08
